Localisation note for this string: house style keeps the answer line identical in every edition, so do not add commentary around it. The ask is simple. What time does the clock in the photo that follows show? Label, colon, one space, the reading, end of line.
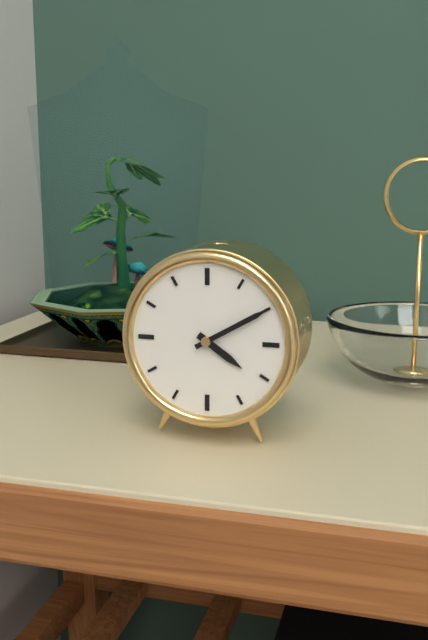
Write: 4:10
